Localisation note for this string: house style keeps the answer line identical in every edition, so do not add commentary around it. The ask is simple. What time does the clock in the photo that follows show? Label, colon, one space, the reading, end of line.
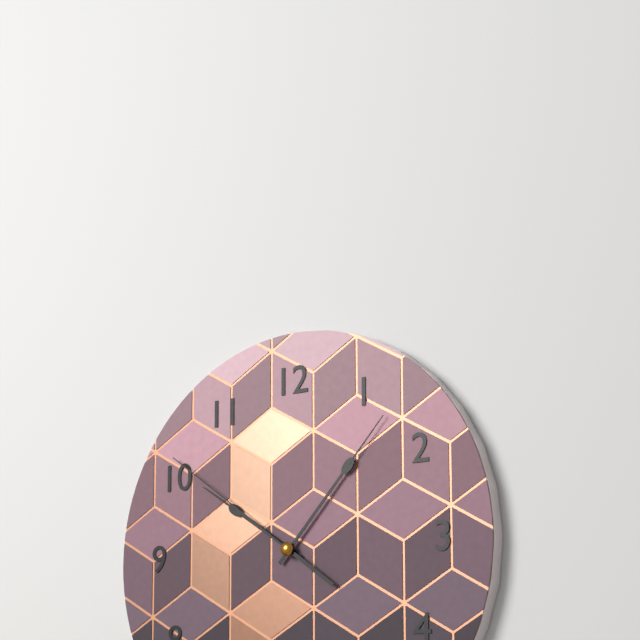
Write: 10:07:51
